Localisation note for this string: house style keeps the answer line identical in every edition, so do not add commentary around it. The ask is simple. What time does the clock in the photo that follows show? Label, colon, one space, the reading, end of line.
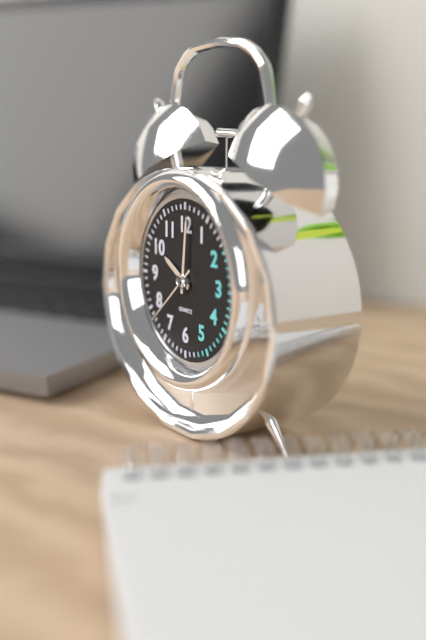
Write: 10:01:38
